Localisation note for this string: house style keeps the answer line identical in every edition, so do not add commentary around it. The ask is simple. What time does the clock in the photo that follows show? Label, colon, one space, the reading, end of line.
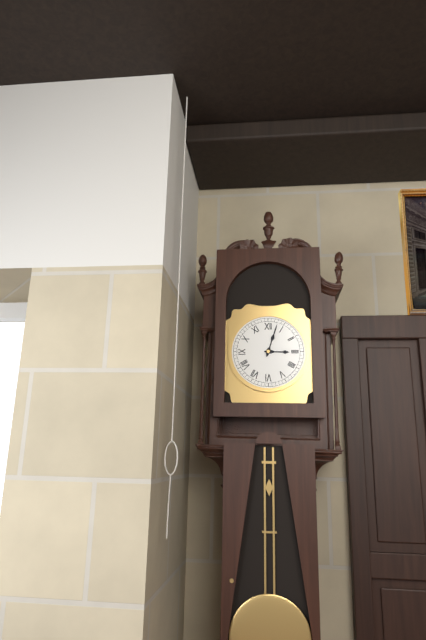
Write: 3:03
